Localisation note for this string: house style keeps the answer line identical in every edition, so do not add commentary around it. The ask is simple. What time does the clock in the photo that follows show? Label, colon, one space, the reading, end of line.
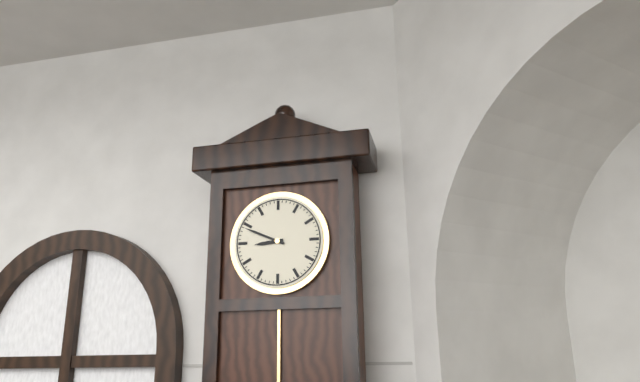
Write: 8:49
